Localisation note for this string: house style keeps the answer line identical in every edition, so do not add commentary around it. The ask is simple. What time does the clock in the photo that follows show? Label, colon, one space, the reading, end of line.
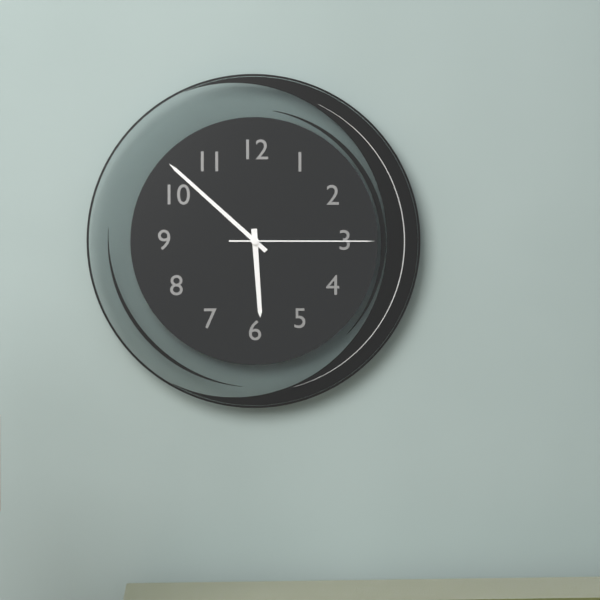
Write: 5:52:15
